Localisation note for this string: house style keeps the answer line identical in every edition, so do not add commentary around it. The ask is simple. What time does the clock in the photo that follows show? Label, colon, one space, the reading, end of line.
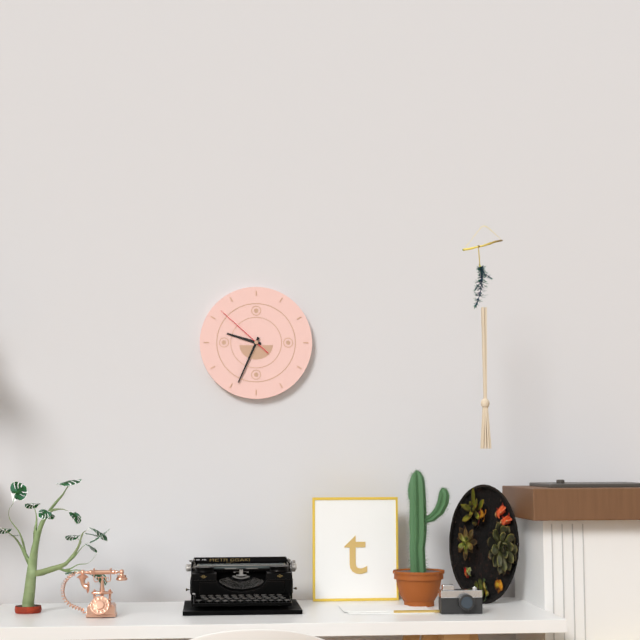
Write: 9:34:52
